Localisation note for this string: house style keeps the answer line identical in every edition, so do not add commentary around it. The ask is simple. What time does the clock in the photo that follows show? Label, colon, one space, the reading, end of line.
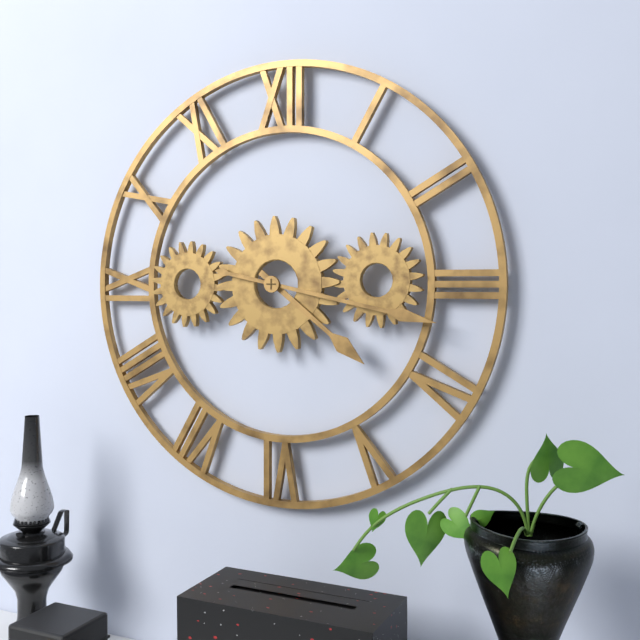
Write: 4:17
